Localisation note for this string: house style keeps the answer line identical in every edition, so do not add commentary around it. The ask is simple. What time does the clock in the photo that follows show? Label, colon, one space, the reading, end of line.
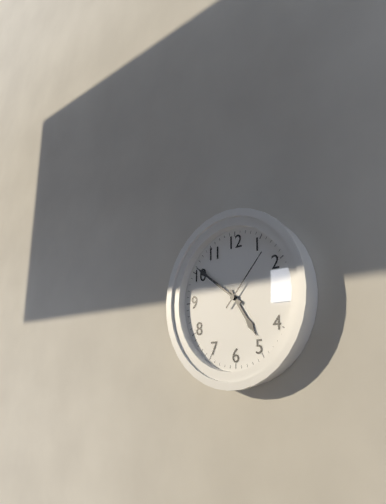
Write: 4:51:07
